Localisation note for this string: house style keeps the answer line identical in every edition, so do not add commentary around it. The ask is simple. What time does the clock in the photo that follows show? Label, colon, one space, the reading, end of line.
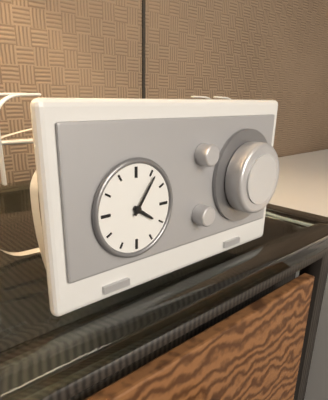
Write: 4:06
